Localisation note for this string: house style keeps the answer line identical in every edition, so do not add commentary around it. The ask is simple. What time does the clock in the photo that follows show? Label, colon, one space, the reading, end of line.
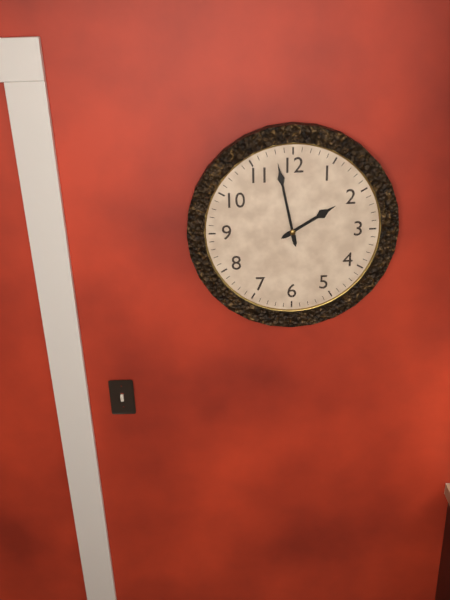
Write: 1:58
